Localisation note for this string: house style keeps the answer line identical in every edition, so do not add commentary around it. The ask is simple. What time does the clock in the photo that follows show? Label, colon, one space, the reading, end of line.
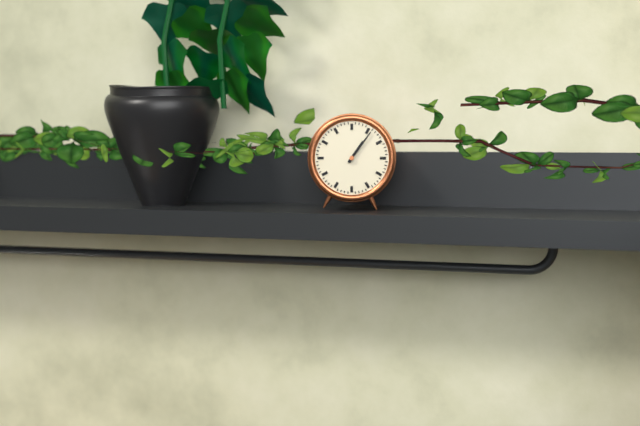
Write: 1:06
